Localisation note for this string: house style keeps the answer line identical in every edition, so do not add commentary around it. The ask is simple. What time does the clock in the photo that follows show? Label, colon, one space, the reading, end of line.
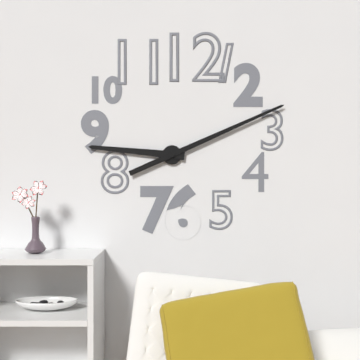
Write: 9:11
